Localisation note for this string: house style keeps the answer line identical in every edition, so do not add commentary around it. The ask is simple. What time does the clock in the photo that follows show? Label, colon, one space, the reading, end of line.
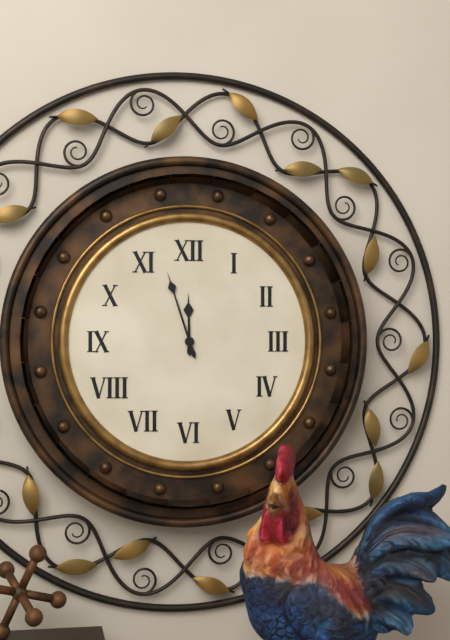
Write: 11:57
